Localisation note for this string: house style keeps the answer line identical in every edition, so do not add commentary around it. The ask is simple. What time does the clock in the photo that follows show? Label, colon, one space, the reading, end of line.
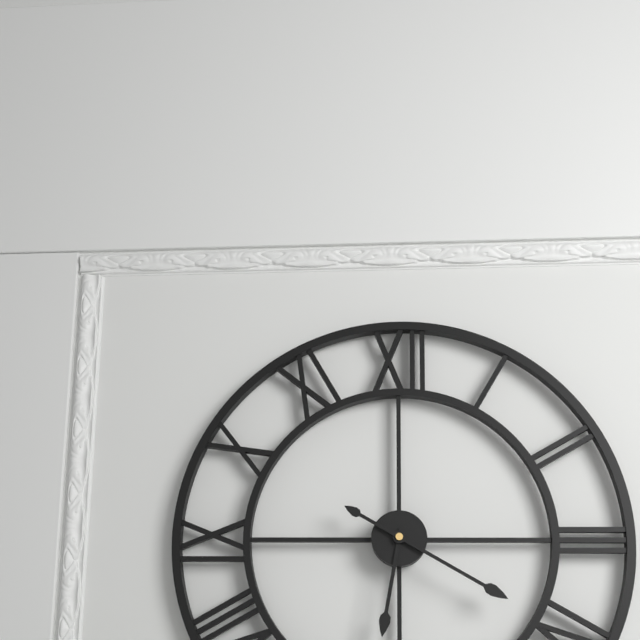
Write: 6:20
